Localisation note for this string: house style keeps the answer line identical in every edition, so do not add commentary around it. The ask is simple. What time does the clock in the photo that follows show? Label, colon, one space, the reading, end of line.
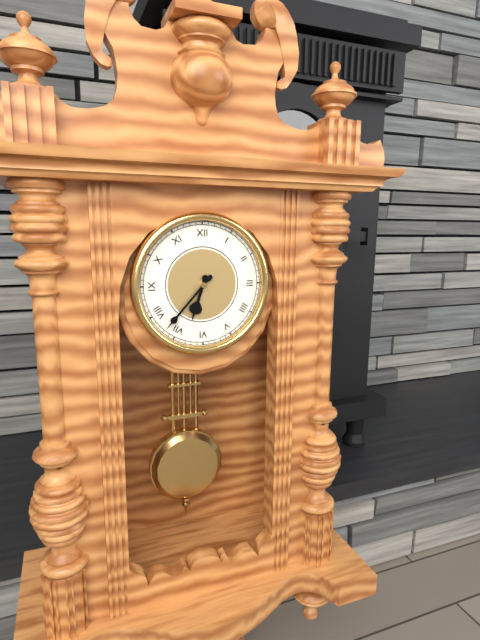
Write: 6:37
